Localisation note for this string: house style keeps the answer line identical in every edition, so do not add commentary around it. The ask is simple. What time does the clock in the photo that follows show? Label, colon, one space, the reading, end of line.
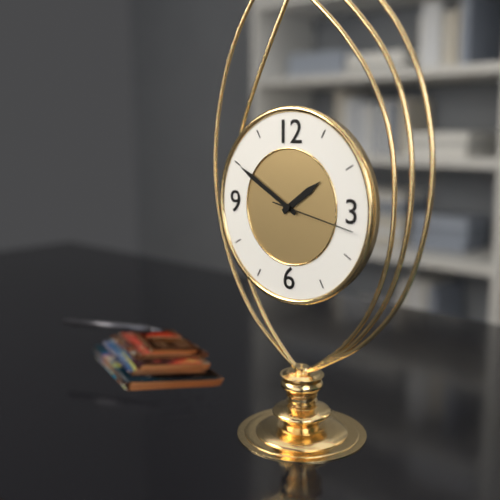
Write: 1:50:17
